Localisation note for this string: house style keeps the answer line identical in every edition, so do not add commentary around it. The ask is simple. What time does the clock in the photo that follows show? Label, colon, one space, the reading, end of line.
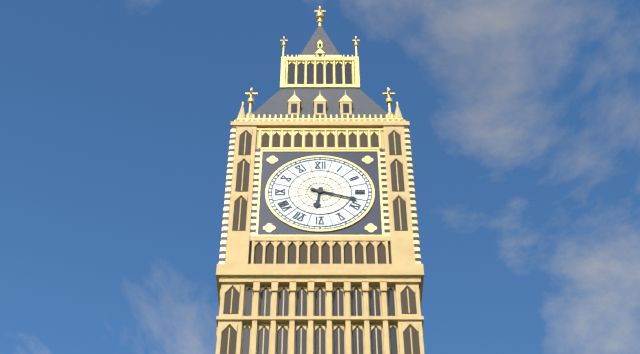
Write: 6:18
